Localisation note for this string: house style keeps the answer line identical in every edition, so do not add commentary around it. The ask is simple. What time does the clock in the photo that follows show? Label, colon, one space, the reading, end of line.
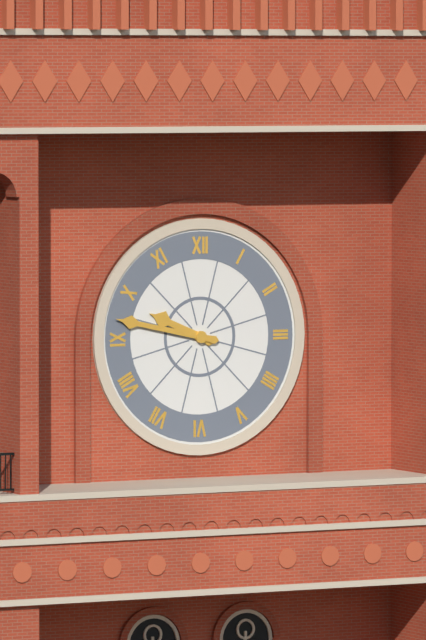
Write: 9:47
